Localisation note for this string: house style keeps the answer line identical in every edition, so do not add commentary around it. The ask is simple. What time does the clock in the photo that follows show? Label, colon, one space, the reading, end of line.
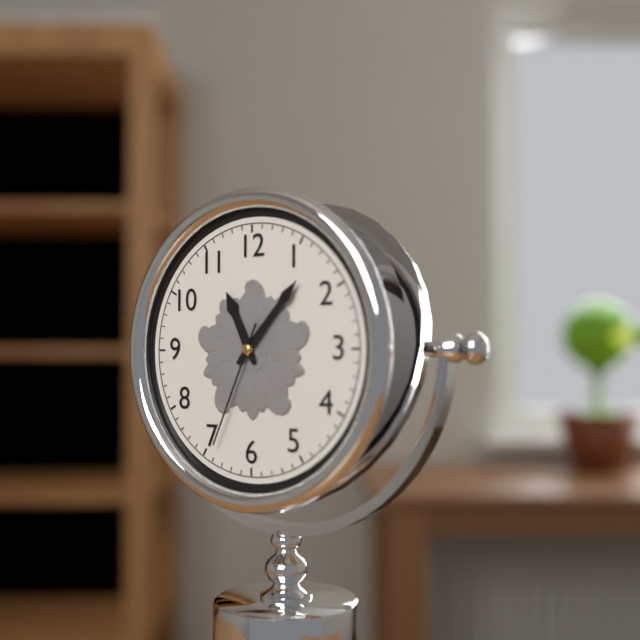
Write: 11:07:34
